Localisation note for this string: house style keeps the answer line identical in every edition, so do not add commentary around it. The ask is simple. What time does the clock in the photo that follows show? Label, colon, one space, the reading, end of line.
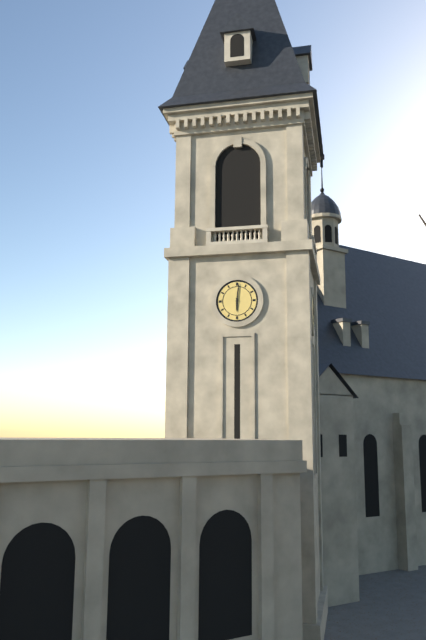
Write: 6:01
